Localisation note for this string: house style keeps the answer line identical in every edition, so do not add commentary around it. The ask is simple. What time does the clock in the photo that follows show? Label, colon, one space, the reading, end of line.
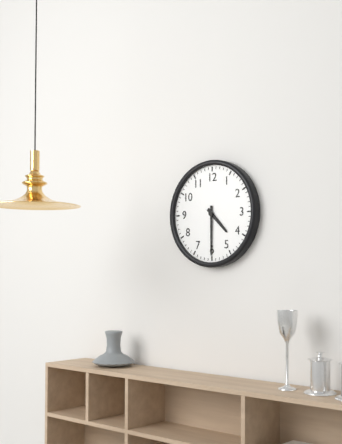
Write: 4:30
